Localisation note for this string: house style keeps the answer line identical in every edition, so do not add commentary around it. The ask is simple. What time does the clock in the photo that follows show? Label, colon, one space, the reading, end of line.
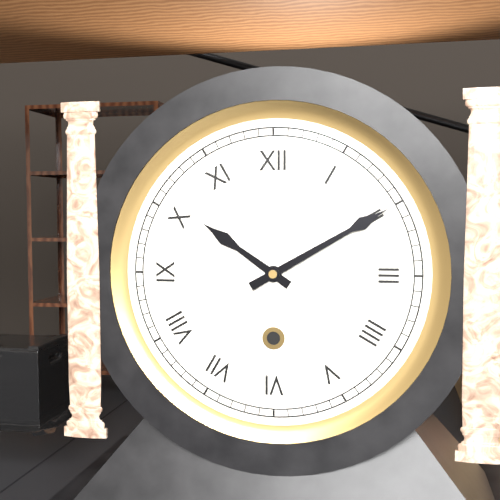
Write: 10:10
